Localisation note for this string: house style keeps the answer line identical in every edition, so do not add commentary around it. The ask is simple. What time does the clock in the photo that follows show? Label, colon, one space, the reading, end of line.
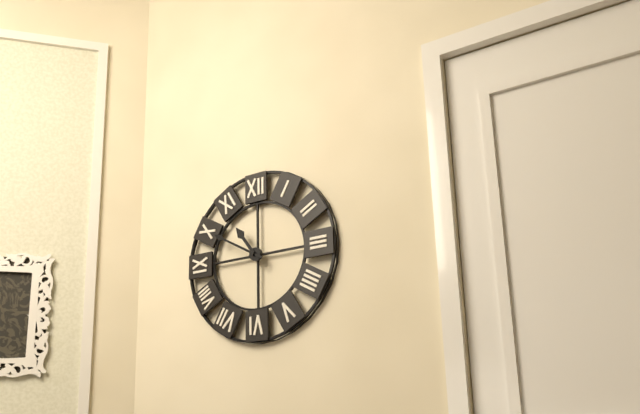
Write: 10:50
